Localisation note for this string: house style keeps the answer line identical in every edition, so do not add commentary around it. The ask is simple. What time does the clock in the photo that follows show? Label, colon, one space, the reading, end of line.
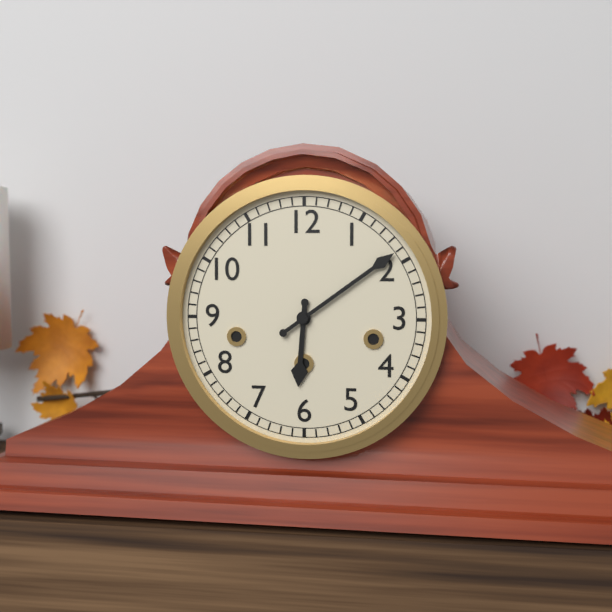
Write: 6:09
